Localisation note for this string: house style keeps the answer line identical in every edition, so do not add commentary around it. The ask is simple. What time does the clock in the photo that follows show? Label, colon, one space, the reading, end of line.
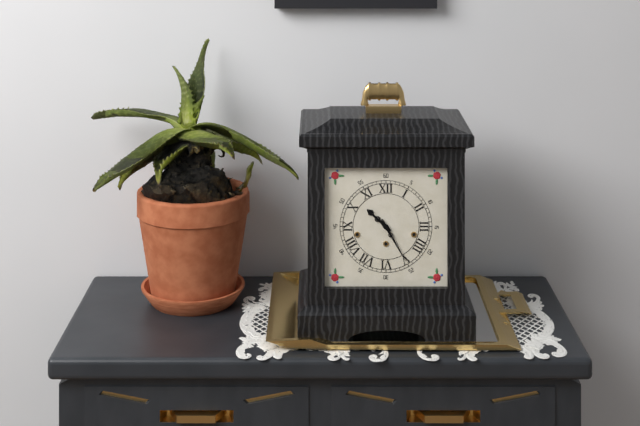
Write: 10:25
